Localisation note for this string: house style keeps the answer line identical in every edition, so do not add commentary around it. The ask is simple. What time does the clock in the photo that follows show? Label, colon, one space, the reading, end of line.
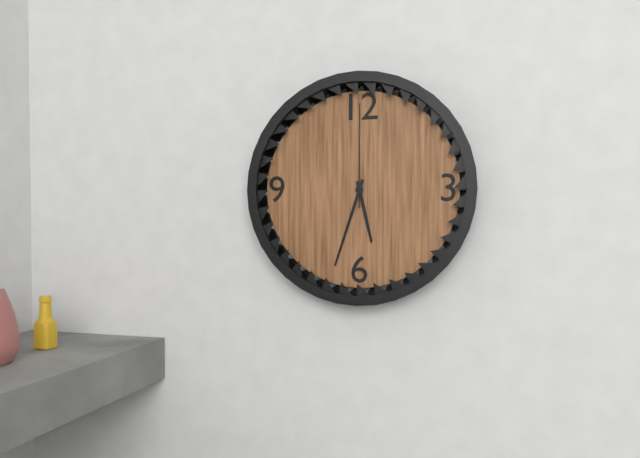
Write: 5:33:00
